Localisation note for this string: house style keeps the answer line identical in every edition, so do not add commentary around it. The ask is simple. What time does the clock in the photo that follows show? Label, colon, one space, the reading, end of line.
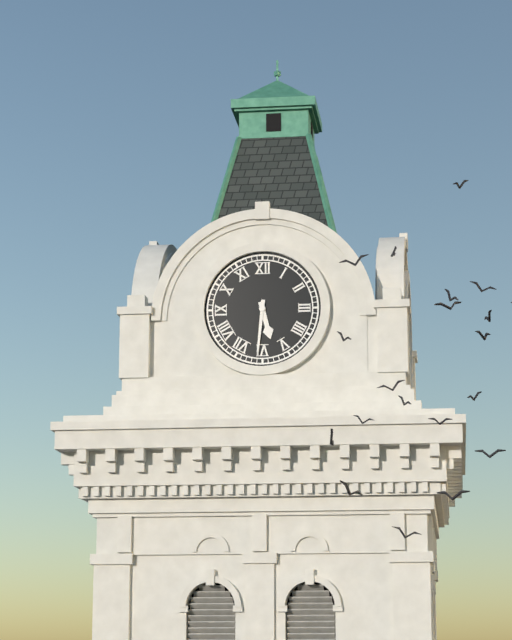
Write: 5:31
